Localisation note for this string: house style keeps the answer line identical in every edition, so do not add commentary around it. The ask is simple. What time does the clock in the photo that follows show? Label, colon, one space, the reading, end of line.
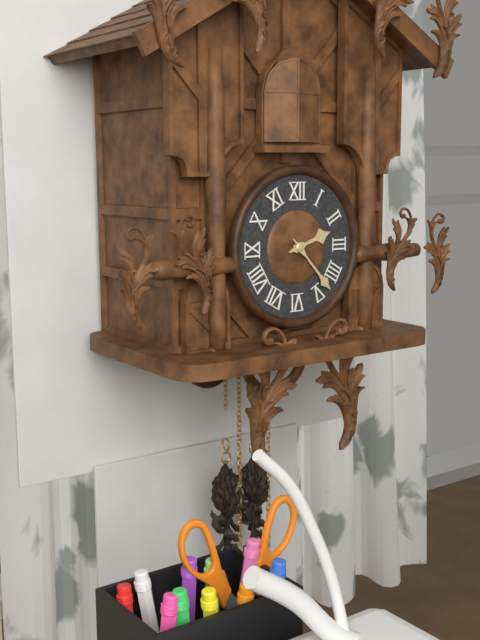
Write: 2:23
